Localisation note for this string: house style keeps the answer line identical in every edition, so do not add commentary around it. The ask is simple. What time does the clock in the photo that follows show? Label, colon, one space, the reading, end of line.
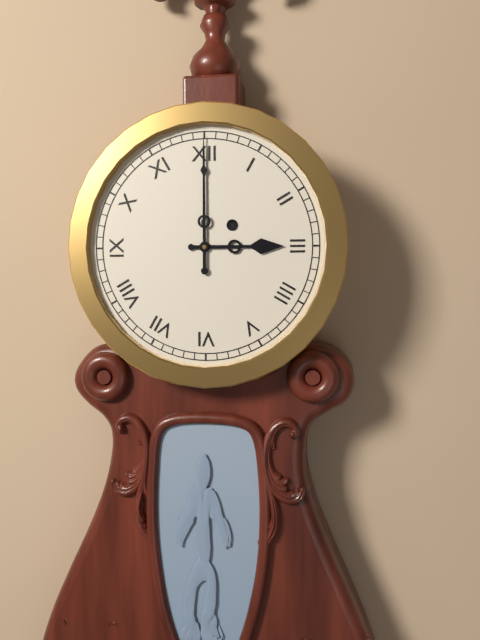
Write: 3:00
